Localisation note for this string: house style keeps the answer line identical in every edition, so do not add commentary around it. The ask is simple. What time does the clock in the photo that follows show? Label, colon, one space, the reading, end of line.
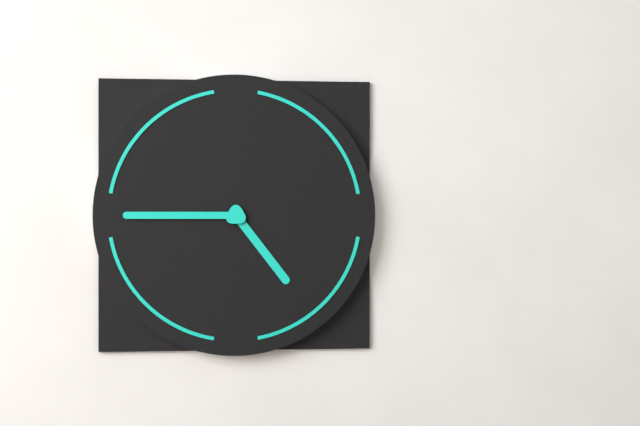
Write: 4:45
